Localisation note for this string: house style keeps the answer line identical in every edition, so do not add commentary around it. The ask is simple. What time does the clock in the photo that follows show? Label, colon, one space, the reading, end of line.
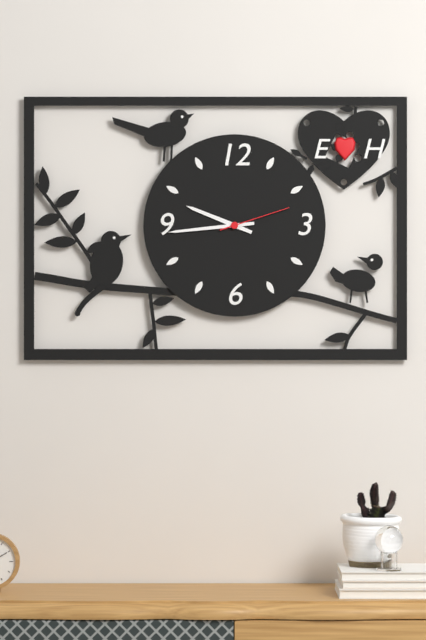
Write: 9:44:12
